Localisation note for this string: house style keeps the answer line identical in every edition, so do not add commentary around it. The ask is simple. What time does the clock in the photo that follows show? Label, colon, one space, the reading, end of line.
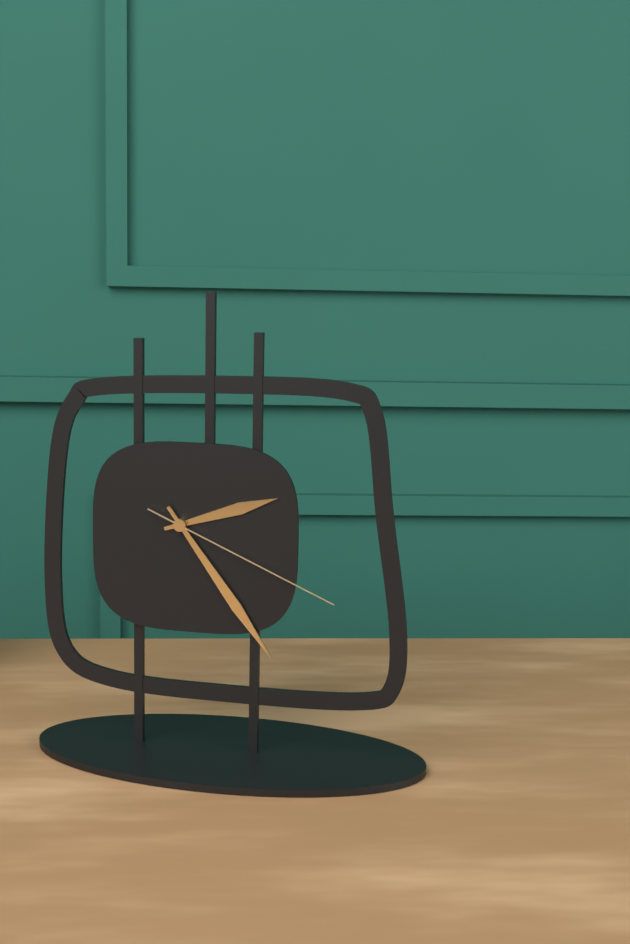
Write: 2:24:19
